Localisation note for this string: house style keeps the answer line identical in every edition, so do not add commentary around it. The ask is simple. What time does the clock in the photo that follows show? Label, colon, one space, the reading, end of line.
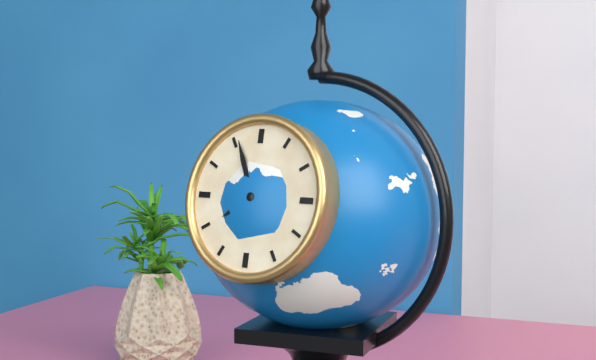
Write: 7:56
